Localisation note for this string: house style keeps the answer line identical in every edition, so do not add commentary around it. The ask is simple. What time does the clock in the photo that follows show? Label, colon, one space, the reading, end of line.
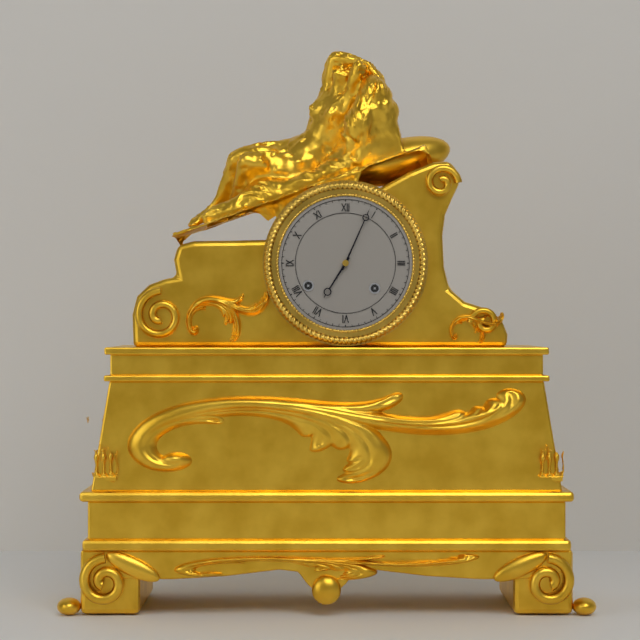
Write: 7:04
